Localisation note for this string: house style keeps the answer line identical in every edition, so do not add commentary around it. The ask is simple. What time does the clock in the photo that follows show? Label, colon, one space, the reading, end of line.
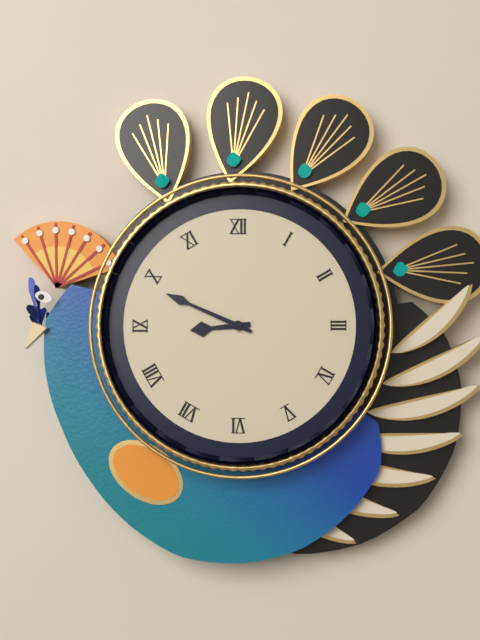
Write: 8:49
